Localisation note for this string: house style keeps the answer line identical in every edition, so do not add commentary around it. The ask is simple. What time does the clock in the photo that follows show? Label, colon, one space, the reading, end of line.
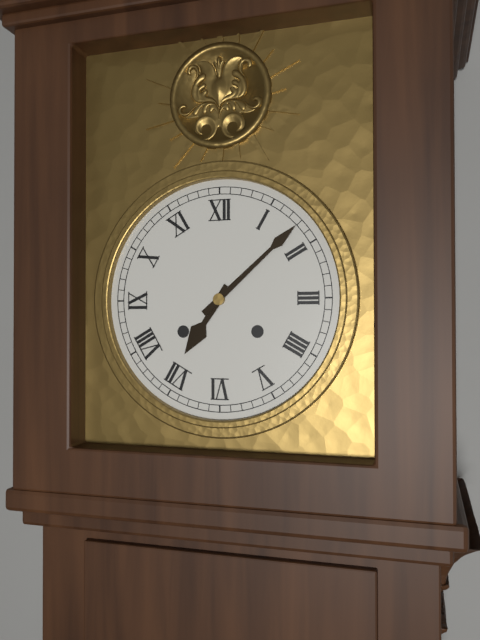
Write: 7:08
